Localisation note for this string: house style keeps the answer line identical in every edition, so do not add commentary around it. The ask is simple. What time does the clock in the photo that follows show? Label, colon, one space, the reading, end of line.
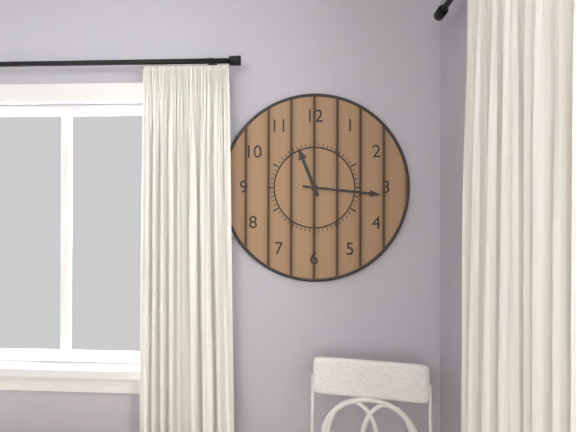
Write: 11:16
